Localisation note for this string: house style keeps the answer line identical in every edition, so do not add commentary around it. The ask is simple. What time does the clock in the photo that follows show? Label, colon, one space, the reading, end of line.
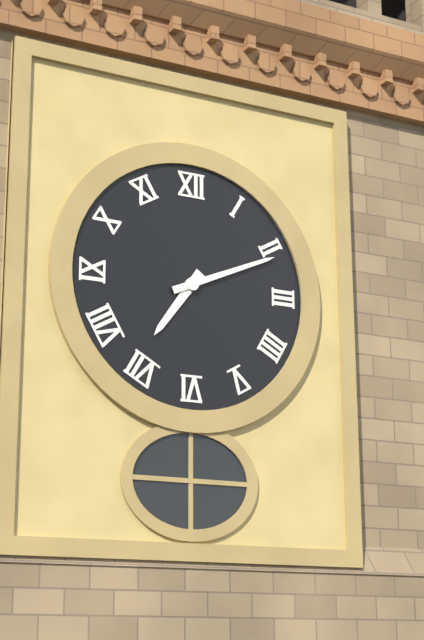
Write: 7:11
